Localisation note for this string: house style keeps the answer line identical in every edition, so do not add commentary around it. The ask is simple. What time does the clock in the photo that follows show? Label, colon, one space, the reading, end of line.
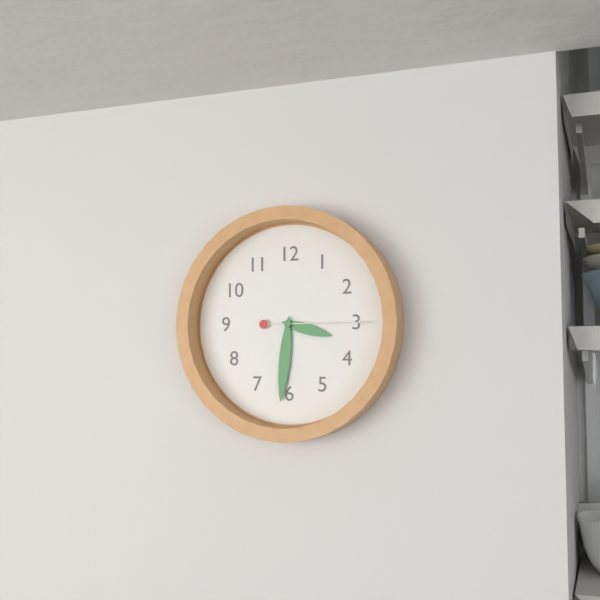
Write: 3:31:15
